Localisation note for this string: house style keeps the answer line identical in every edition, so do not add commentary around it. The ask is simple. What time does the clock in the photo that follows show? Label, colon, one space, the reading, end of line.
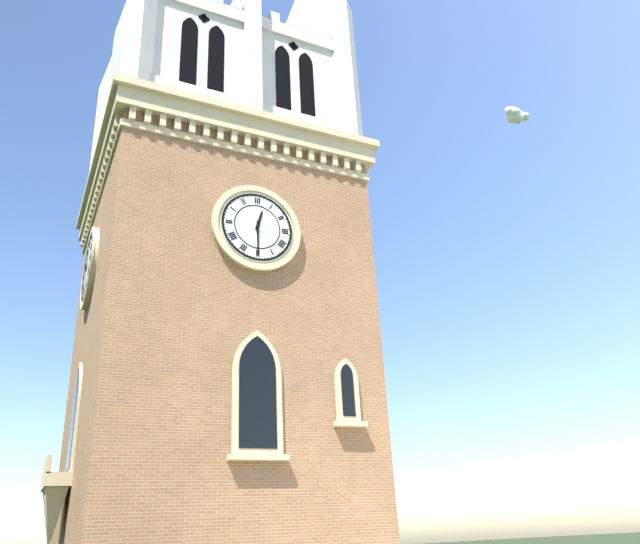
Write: 12:30
